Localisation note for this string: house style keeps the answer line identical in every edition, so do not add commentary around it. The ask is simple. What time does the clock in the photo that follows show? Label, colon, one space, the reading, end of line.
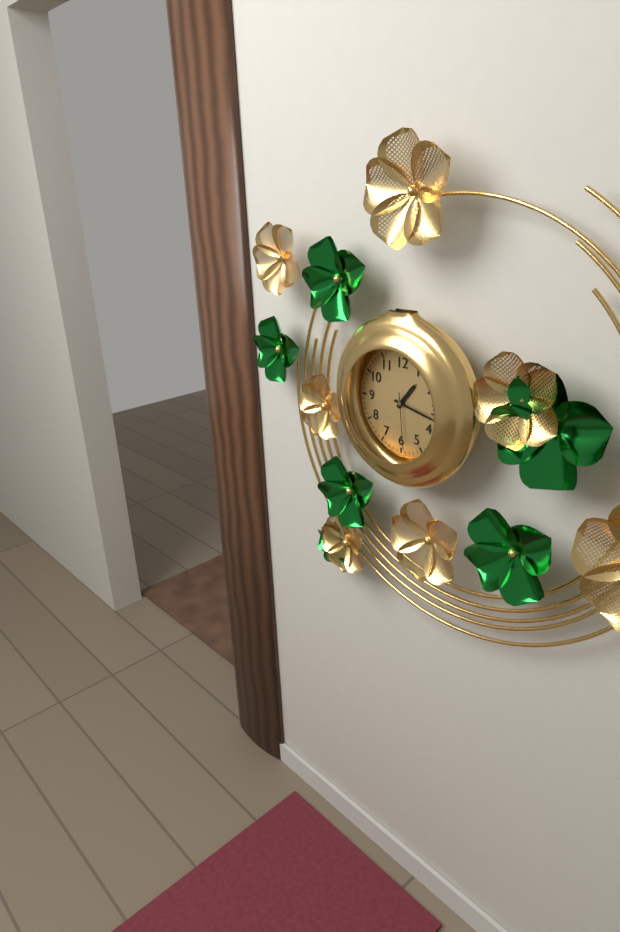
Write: 1:17:29
